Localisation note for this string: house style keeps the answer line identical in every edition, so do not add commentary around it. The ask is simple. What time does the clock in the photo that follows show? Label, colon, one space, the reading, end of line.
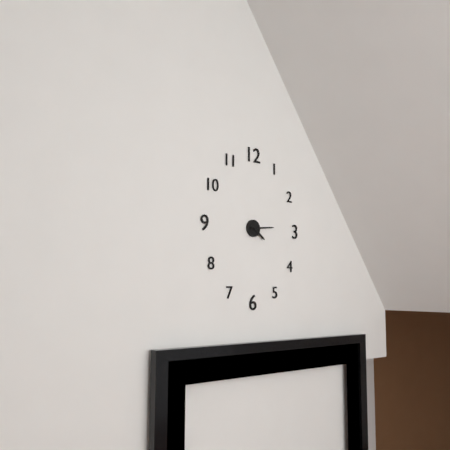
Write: 4:14
